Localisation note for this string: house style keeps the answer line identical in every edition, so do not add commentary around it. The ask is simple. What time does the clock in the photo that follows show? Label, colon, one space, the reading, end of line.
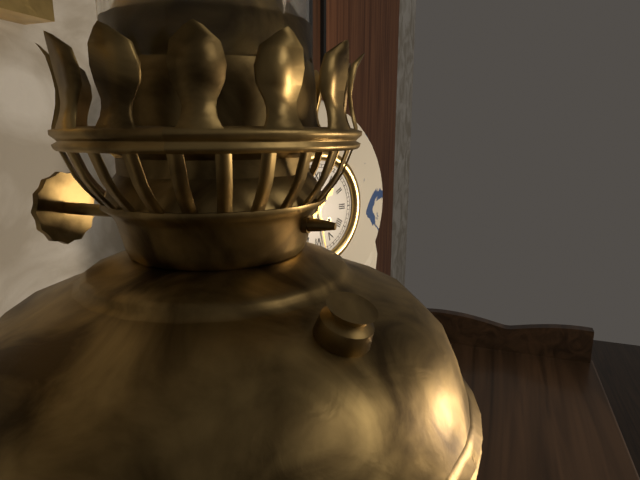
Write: 1:28
